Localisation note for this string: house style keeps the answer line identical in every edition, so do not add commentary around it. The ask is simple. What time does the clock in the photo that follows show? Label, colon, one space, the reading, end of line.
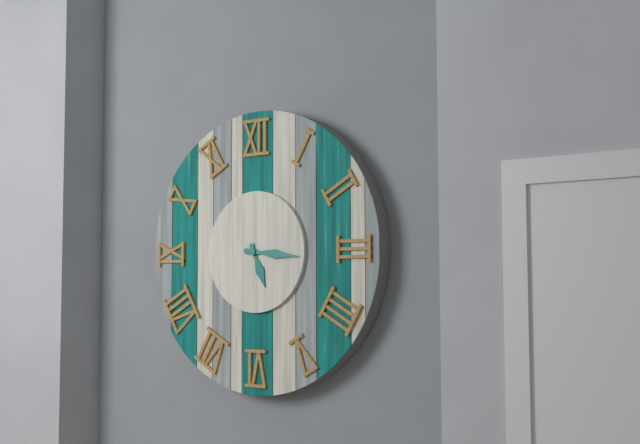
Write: 5:16
